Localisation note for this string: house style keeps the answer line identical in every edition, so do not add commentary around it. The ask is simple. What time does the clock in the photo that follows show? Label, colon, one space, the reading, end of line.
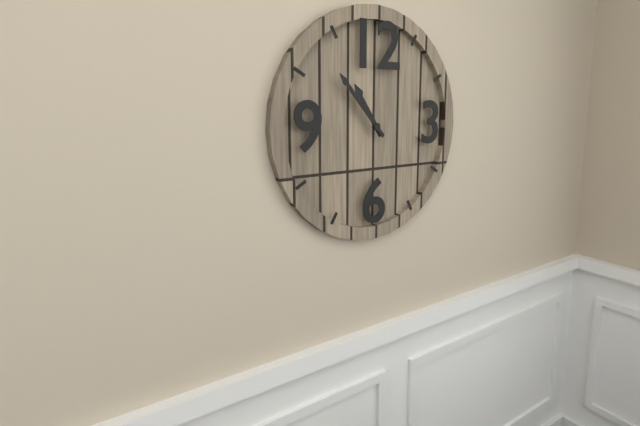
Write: 10:53
